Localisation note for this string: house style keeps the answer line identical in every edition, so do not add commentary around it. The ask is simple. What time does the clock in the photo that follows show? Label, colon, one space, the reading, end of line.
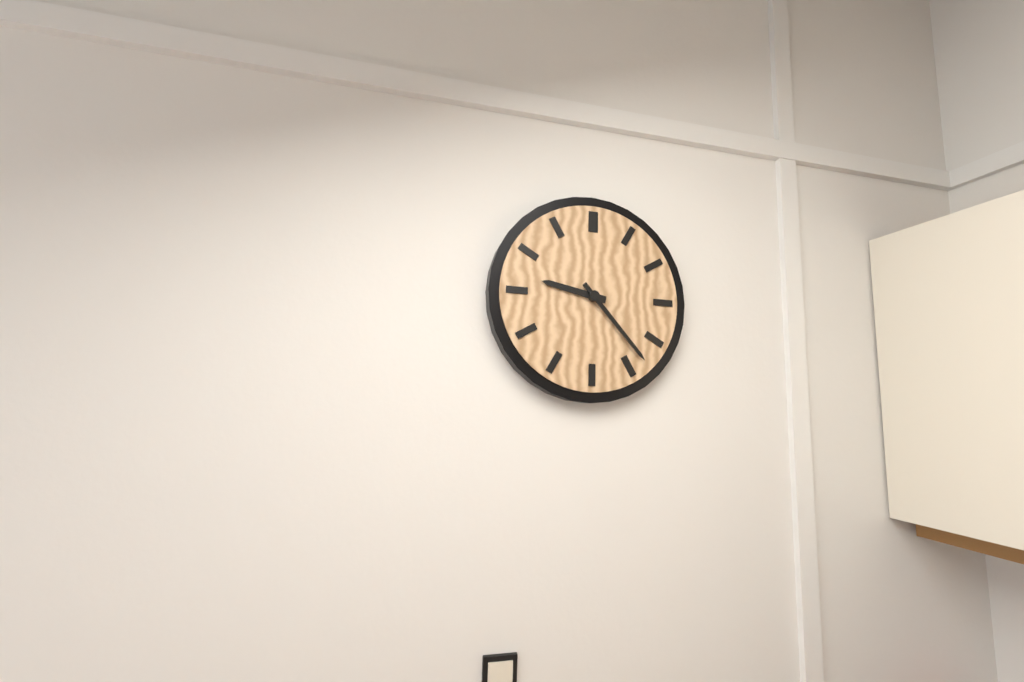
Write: 9:23
